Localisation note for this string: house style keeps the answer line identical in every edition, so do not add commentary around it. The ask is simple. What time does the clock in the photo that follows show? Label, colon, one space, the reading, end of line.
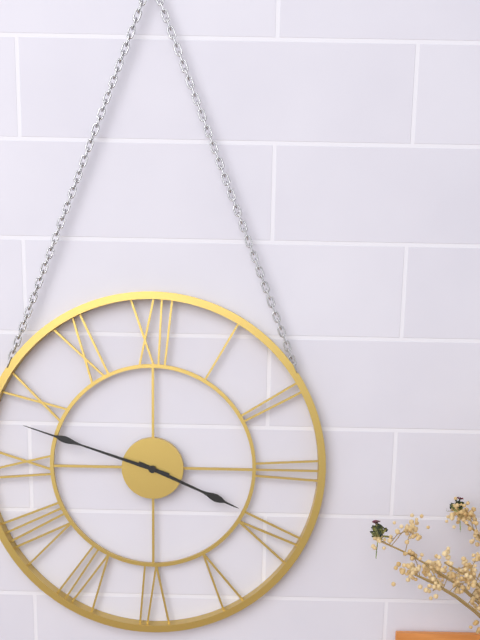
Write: 3:48
